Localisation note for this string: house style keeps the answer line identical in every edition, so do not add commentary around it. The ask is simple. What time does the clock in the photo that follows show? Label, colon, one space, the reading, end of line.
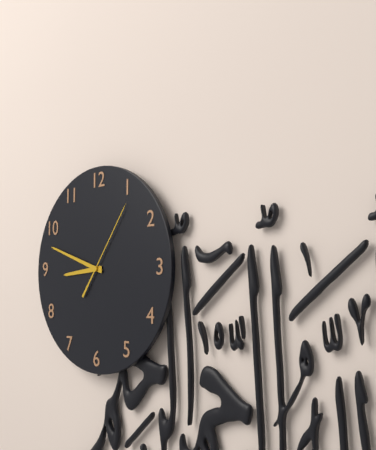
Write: 8:48:06
